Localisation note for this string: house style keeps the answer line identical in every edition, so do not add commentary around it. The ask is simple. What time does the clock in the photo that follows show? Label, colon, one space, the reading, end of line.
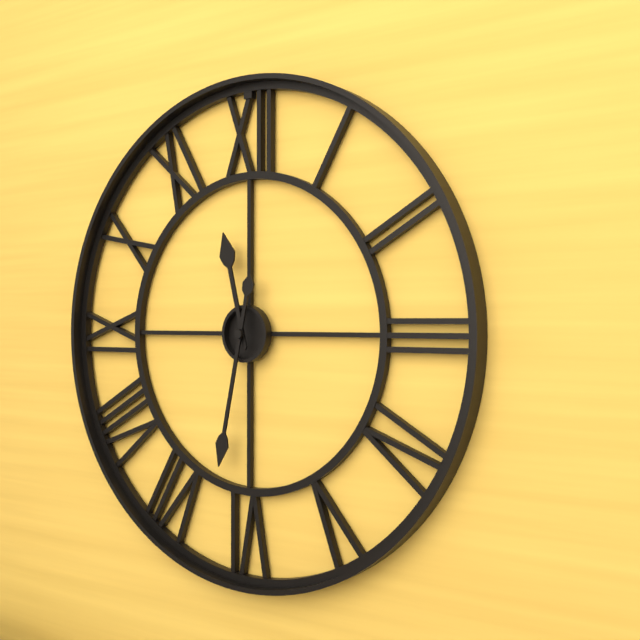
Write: 11:32
